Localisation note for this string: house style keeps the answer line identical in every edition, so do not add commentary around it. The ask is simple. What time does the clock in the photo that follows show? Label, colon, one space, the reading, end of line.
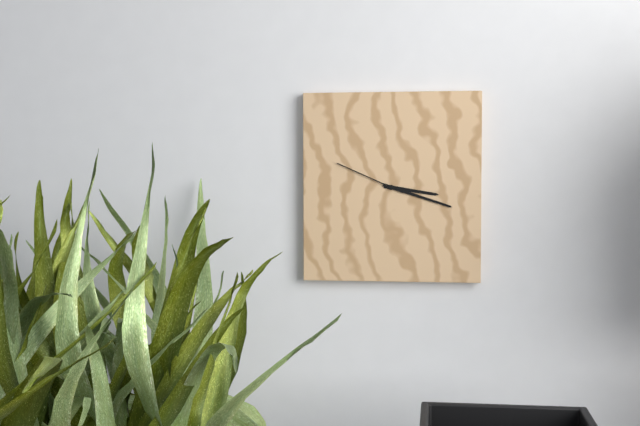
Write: 3:18:49
